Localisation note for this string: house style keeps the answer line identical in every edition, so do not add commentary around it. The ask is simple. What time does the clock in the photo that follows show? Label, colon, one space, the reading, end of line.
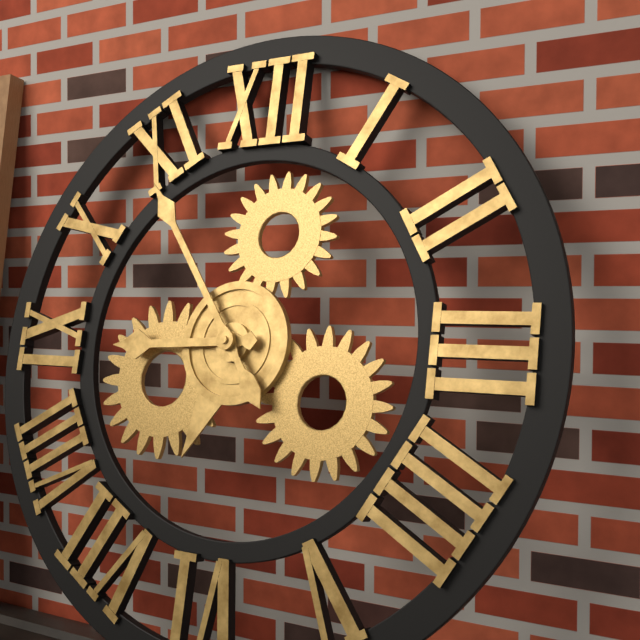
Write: 8:54
